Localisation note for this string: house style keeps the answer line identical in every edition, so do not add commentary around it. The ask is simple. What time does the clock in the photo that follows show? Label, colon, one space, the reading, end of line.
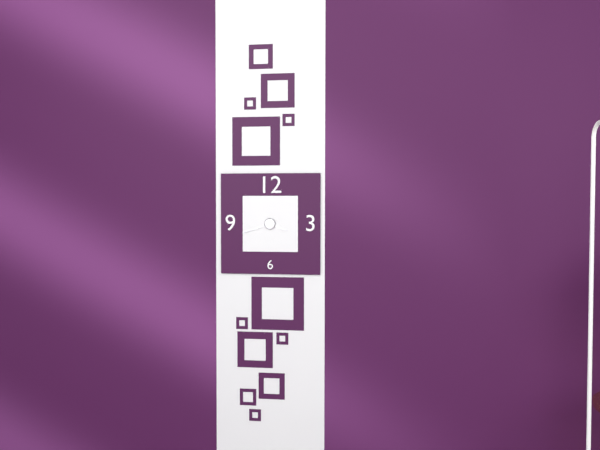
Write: 3:42
